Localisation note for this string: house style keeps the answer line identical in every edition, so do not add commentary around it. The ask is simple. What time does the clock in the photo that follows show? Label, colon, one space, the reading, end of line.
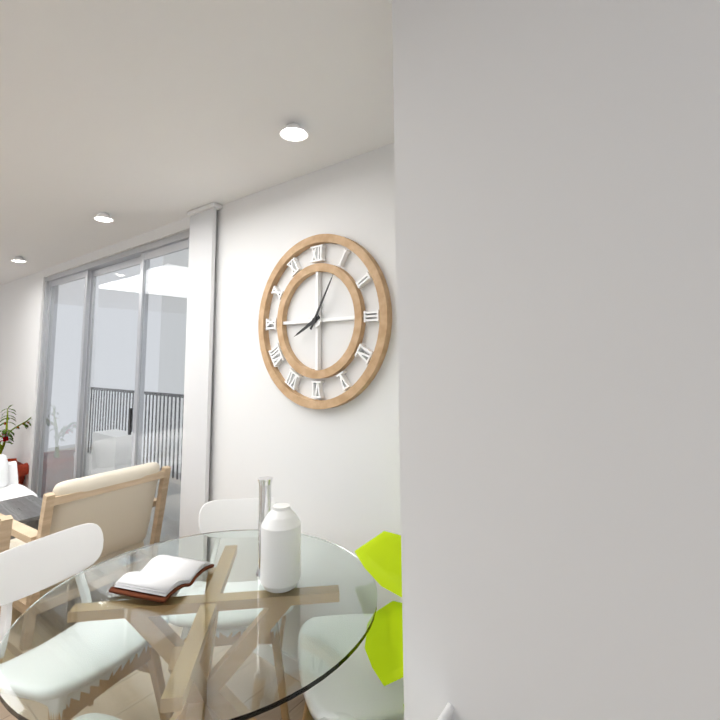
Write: 8:05
